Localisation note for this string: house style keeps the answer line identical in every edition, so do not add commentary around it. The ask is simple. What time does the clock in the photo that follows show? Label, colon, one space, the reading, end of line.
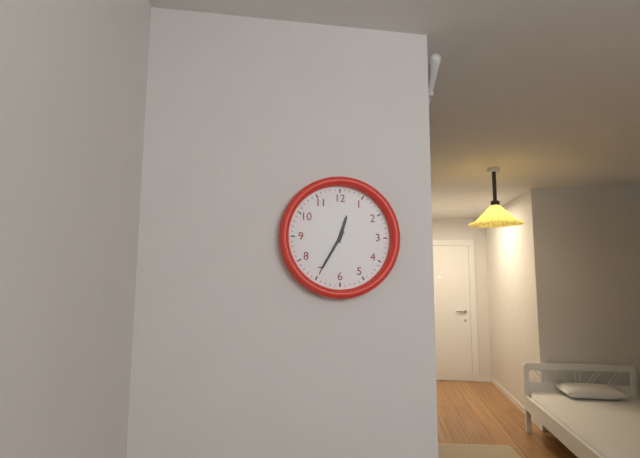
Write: 12:35
